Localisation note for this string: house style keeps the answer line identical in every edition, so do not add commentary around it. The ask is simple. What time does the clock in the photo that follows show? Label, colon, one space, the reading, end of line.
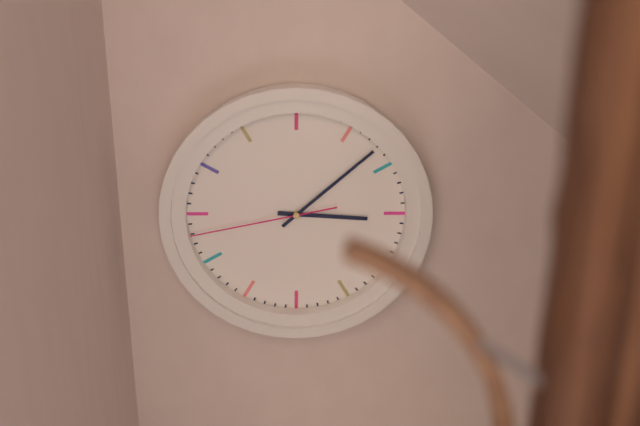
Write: 3:08:43
